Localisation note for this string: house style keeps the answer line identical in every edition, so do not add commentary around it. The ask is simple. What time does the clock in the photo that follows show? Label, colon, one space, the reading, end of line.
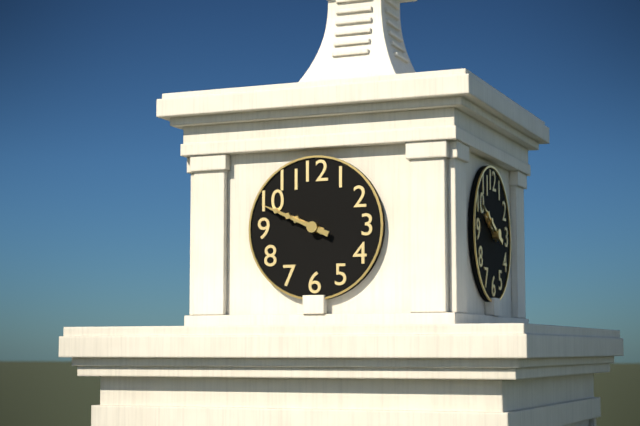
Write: 9:49
